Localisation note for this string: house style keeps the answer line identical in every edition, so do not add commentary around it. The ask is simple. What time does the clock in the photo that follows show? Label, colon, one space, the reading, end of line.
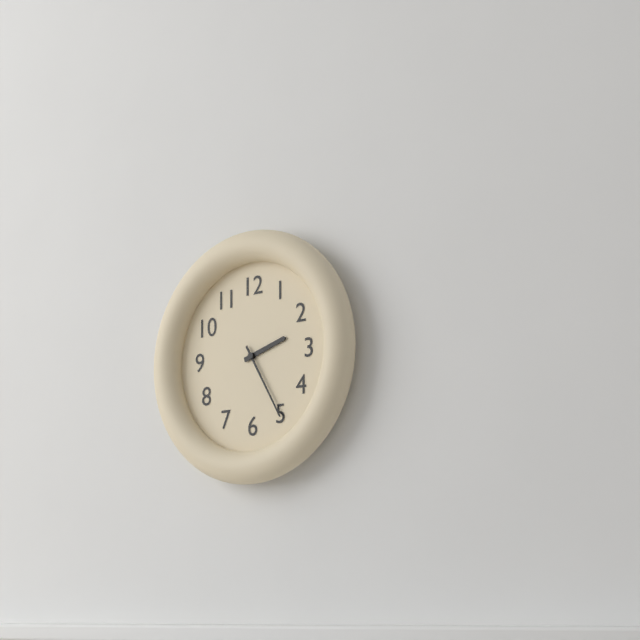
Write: 2:25
